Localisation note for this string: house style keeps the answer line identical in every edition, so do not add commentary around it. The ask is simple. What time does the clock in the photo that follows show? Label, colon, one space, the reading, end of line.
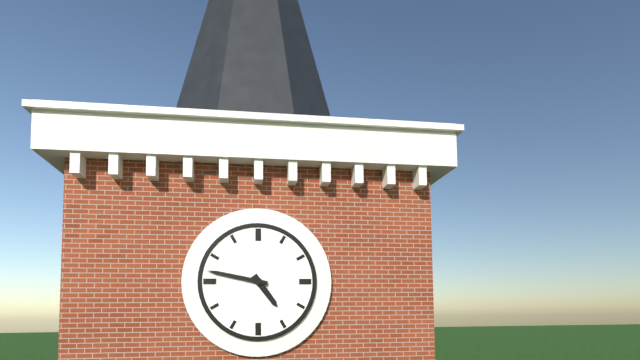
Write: 4:47
